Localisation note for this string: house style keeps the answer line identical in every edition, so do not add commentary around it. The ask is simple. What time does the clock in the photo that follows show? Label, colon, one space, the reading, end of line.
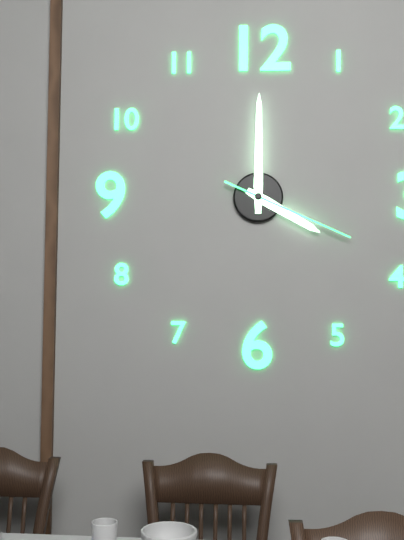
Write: 4:00:19
